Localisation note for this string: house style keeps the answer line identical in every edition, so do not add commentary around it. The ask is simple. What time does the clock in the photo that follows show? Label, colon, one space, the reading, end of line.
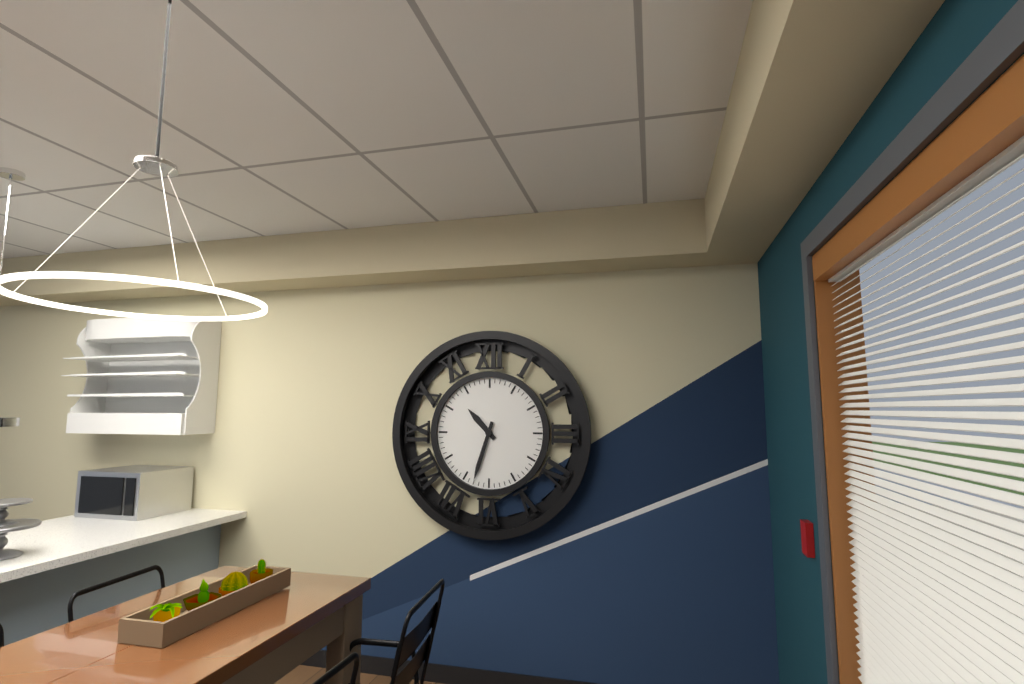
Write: 10:33
